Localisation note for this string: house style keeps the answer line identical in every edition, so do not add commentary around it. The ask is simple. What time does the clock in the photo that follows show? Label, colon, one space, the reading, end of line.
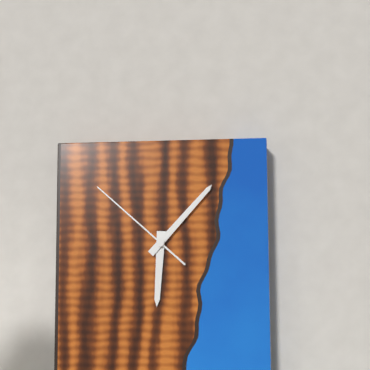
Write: 6:07:52
